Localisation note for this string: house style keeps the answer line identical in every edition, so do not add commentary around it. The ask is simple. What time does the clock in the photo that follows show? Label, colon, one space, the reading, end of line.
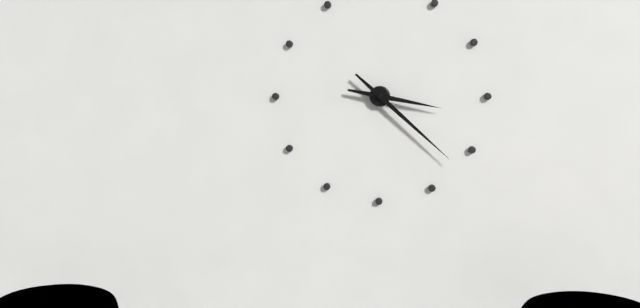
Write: 3:22
